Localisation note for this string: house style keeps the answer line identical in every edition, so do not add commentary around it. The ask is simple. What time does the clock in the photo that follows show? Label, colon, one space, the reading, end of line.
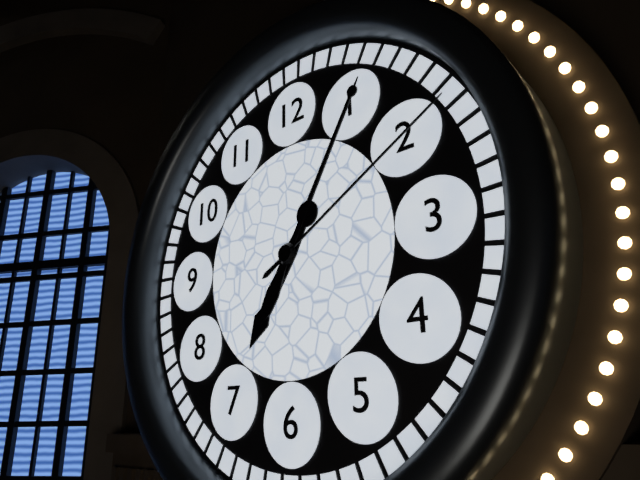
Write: 7:05:10
